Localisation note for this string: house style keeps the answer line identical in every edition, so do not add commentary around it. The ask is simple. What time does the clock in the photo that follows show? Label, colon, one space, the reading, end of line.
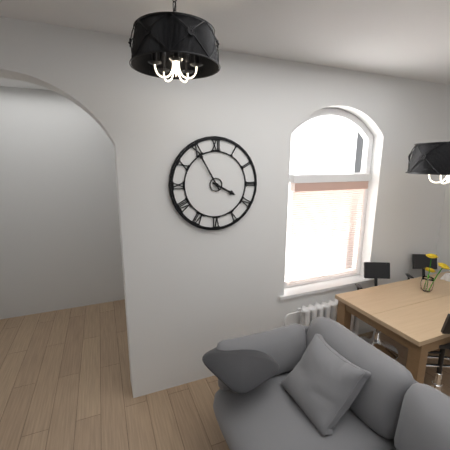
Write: 3:55
